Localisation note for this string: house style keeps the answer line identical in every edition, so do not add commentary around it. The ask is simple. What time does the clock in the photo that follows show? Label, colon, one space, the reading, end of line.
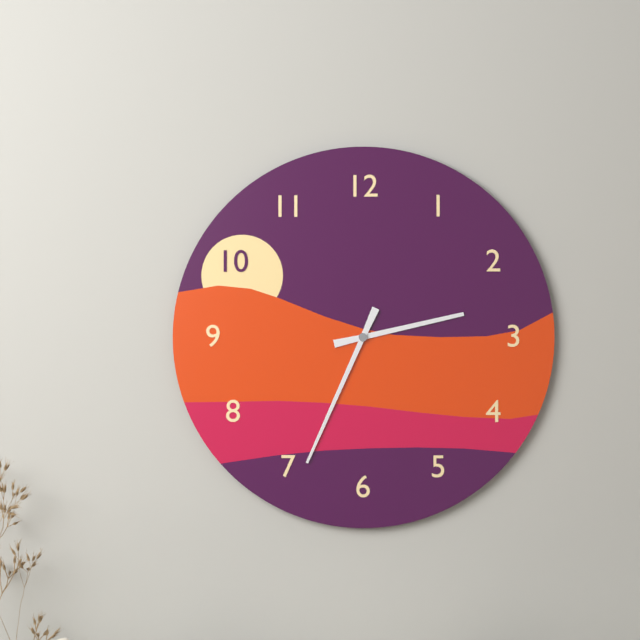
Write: 2:34
